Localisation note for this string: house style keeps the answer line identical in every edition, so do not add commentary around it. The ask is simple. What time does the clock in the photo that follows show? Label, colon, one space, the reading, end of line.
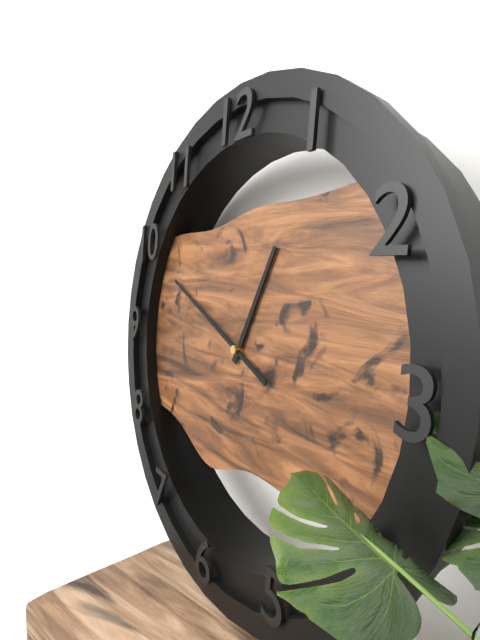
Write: 12:49
